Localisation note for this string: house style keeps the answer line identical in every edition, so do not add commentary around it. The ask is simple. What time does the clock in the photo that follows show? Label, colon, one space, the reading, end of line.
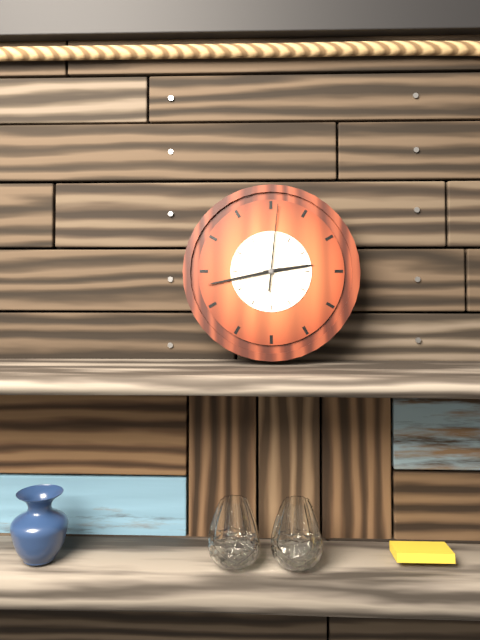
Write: 2:43:01
